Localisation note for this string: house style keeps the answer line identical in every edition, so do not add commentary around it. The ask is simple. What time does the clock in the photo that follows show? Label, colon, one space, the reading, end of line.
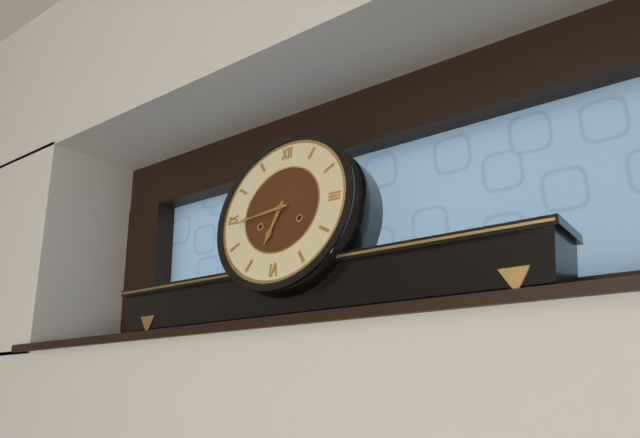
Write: 6:44
